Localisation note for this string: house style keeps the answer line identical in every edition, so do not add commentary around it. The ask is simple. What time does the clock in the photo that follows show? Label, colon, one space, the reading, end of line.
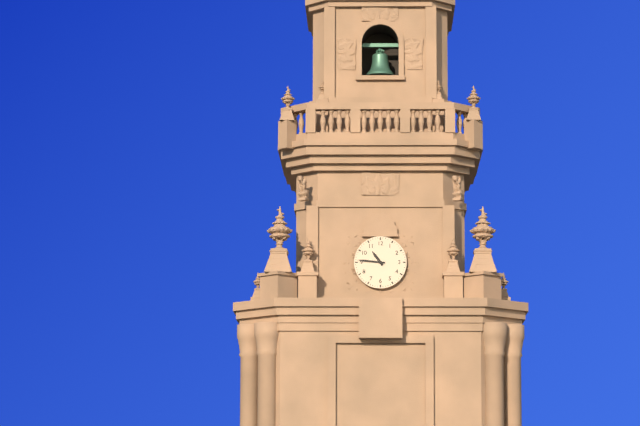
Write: 10:46
